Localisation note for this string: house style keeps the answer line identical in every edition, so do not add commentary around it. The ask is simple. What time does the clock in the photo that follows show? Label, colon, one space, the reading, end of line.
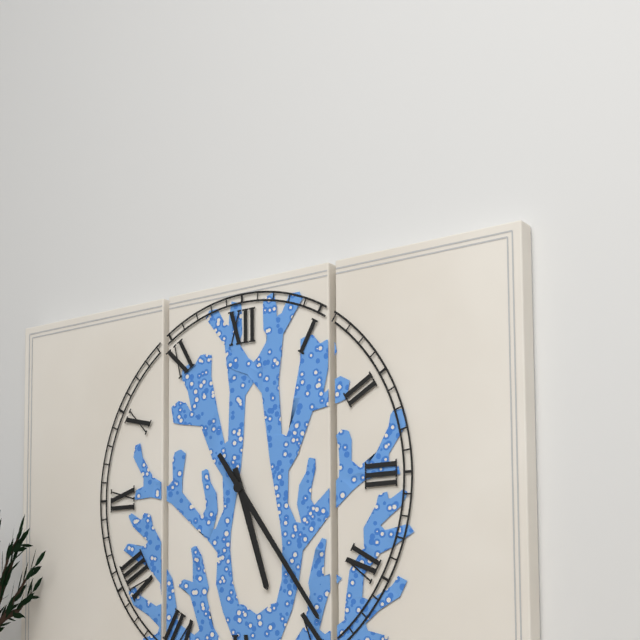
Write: 5:24
